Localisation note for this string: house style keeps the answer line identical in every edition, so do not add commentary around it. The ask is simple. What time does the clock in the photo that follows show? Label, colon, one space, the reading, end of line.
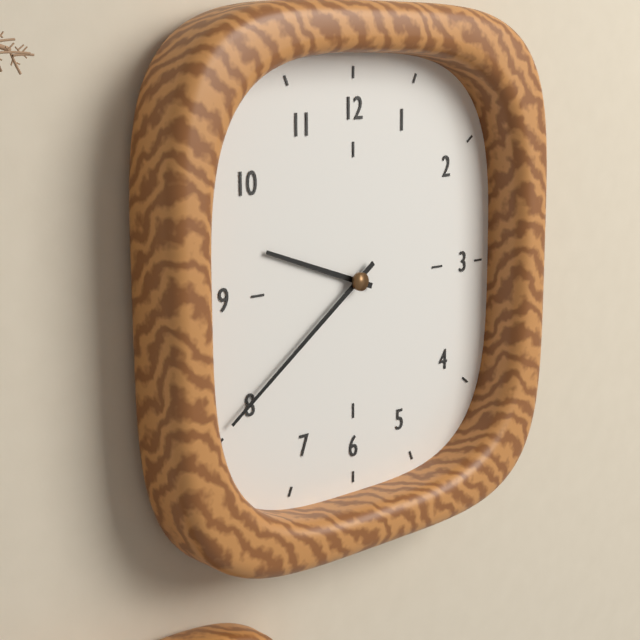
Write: 9:39
